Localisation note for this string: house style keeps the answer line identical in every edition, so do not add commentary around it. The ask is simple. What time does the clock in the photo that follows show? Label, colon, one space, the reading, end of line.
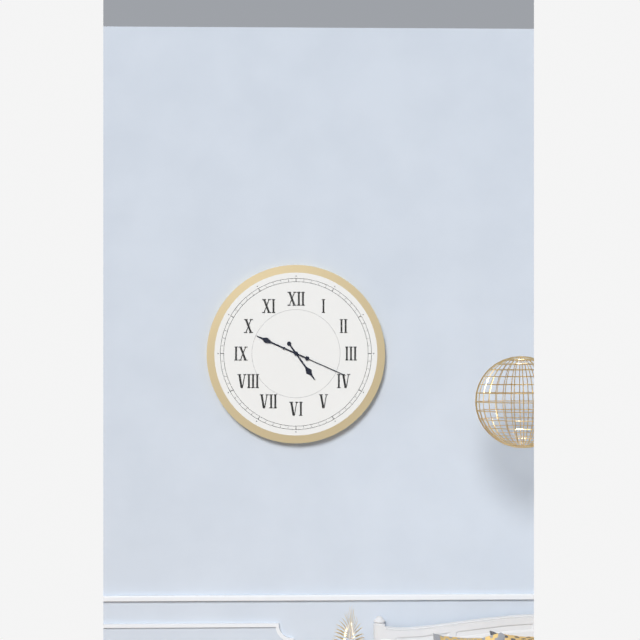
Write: 4:49:19
